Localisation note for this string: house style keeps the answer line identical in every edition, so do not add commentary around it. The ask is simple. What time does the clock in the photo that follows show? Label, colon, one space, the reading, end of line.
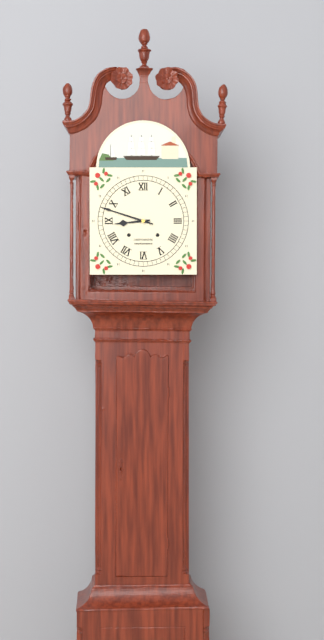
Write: 8:48
